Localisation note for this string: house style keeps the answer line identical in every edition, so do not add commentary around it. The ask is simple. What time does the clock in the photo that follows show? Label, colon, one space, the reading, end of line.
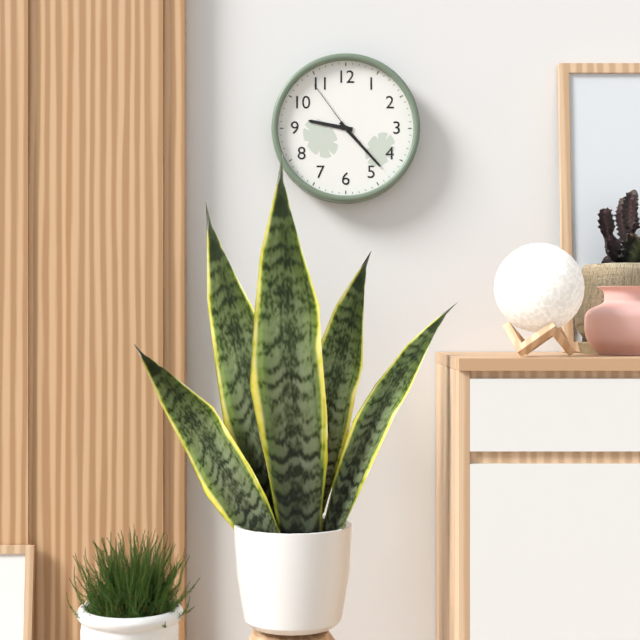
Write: 9:23:54
